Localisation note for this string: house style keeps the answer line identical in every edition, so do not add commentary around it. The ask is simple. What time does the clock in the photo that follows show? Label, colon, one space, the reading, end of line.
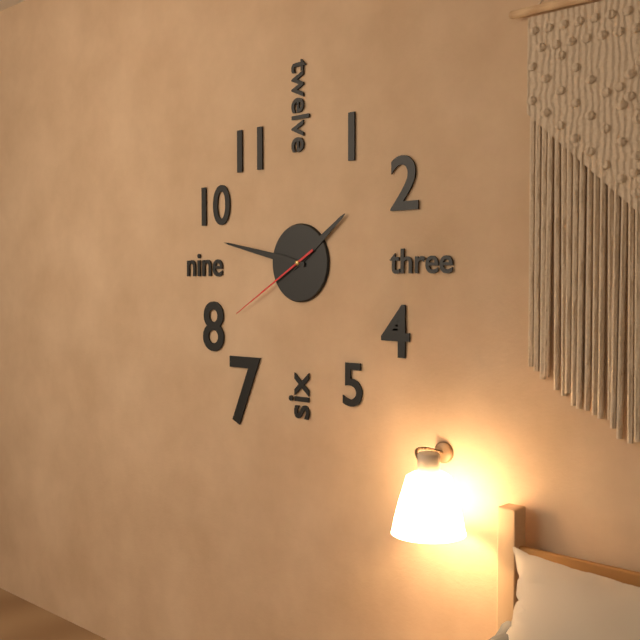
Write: 1:47:40
